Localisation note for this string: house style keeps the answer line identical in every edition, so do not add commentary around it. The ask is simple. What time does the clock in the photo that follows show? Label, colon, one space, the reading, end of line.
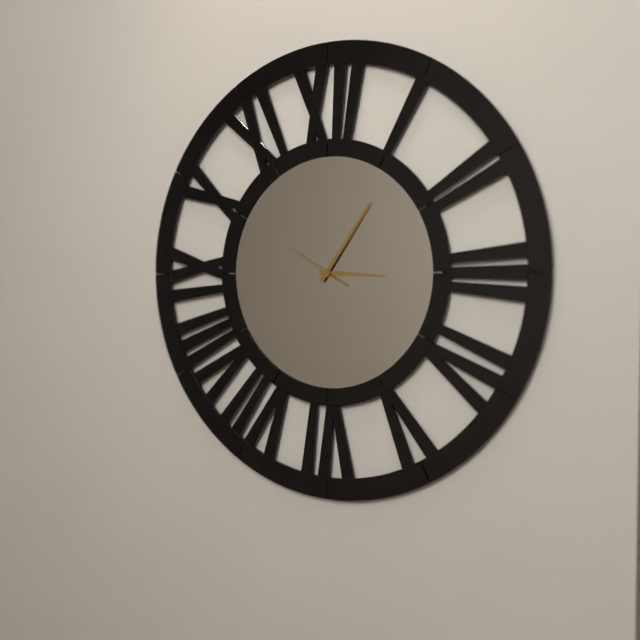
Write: 3:06:50
